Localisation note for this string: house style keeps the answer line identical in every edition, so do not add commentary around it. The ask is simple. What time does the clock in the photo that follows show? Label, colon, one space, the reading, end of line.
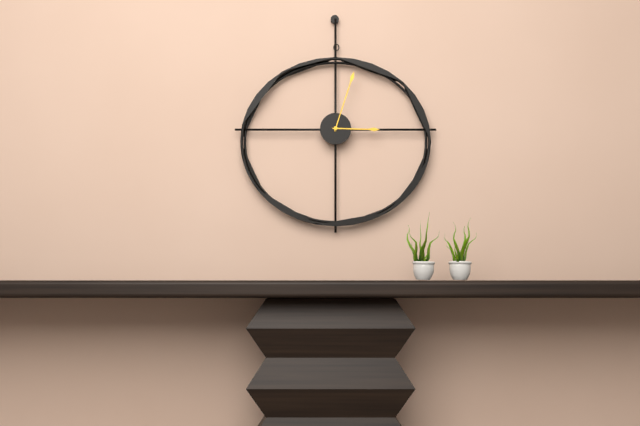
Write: 3:03
